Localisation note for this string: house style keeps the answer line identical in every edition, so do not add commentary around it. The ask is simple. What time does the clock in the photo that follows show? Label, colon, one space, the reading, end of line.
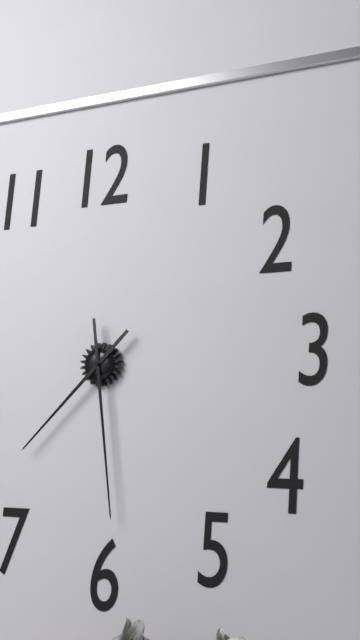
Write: 7:29
